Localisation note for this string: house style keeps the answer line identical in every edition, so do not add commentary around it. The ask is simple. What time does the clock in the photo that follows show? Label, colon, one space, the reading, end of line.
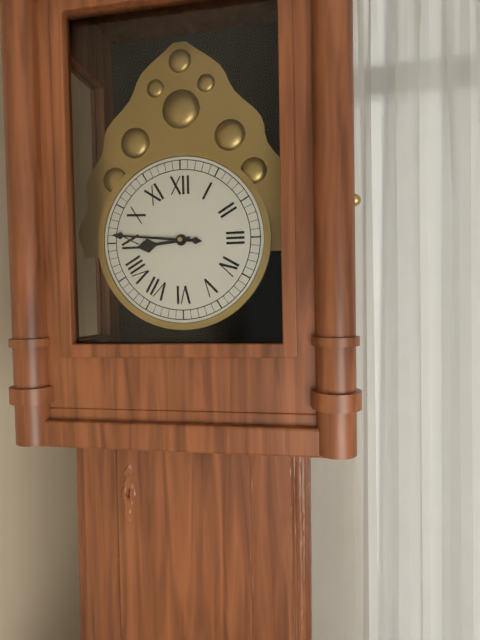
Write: 8:46
